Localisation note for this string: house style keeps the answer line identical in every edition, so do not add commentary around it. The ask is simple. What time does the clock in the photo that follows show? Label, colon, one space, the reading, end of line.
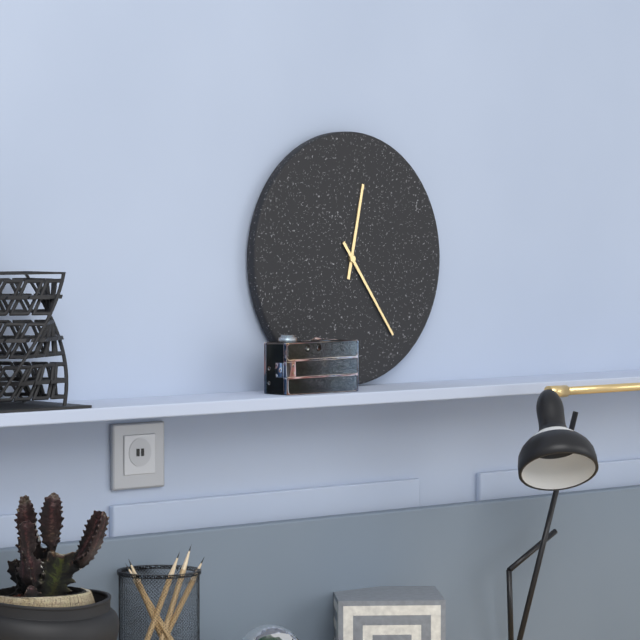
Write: 12:24
